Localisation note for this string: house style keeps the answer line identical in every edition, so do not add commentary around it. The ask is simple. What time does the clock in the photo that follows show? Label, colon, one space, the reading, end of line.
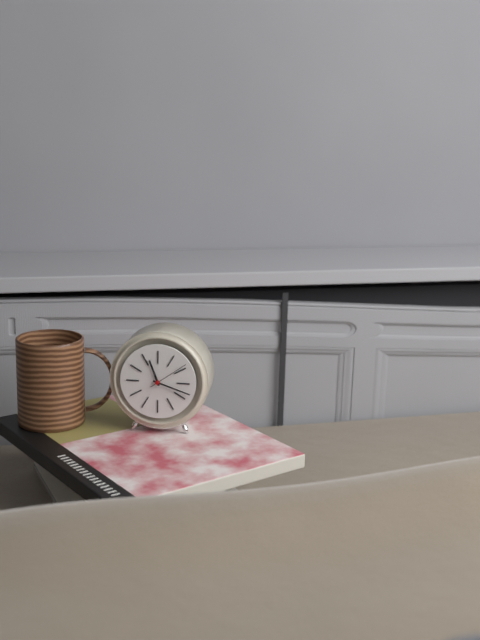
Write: 11:18
